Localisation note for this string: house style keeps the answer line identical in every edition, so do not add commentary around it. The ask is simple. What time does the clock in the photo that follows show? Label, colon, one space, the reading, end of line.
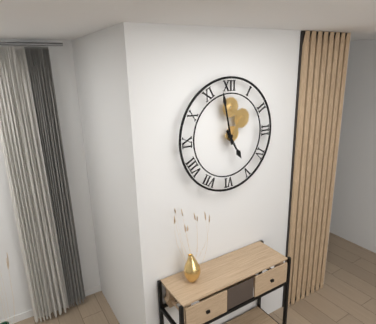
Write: 4:58
